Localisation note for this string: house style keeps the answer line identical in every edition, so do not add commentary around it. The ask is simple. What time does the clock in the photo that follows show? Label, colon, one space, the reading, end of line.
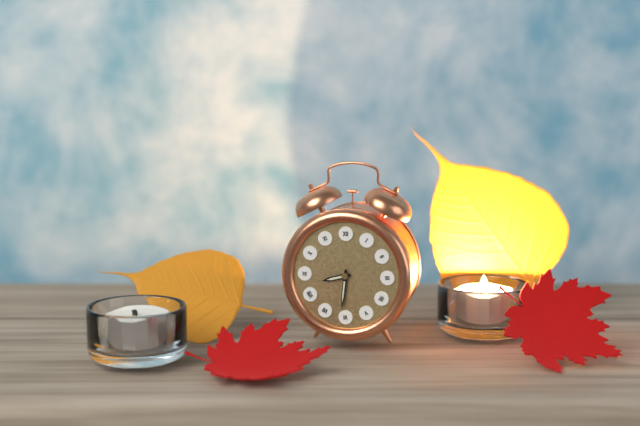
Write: 8:31
